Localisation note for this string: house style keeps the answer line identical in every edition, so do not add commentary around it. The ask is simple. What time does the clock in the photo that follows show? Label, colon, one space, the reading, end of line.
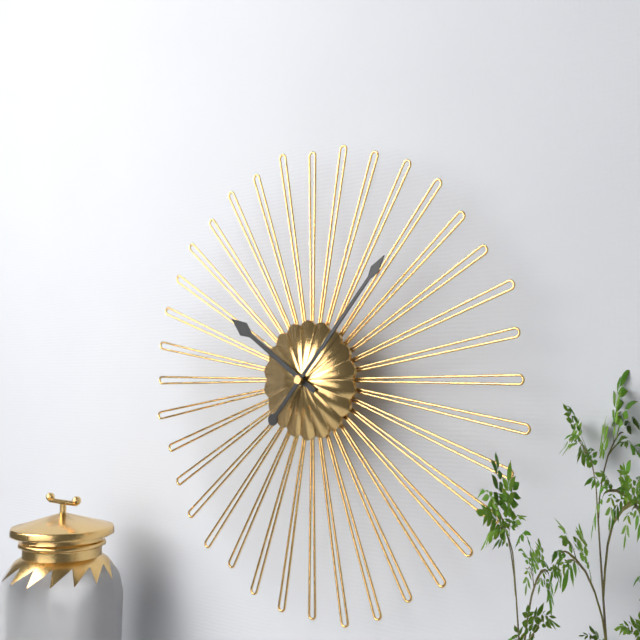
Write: 10:07
